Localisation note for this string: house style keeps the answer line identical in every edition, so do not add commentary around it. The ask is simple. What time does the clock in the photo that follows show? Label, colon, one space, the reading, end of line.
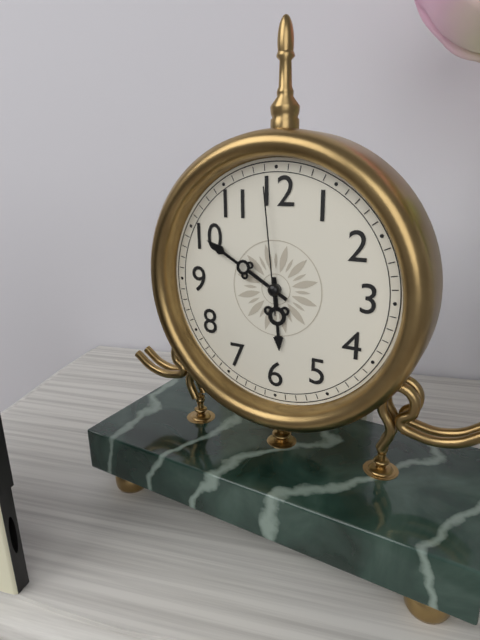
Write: 5:50:59
